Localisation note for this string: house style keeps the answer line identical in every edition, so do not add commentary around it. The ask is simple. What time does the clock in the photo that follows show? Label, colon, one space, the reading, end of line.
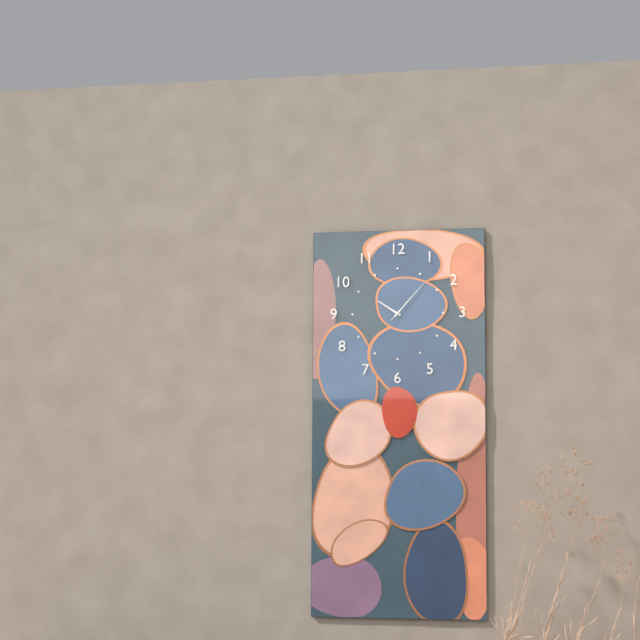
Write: 10:07
